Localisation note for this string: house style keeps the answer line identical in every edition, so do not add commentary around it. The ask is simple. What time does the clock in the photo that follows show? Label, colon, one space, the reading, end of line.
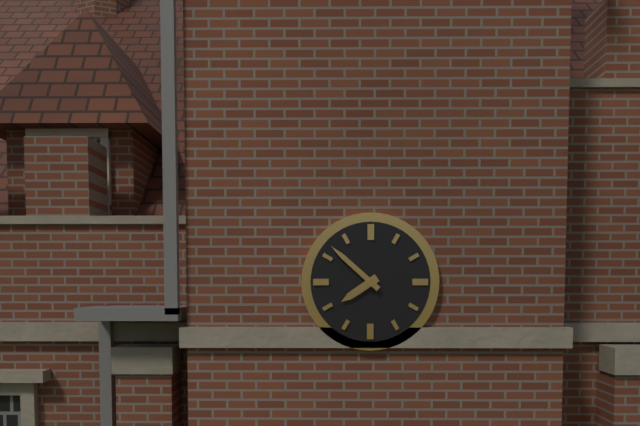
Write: 7:52
